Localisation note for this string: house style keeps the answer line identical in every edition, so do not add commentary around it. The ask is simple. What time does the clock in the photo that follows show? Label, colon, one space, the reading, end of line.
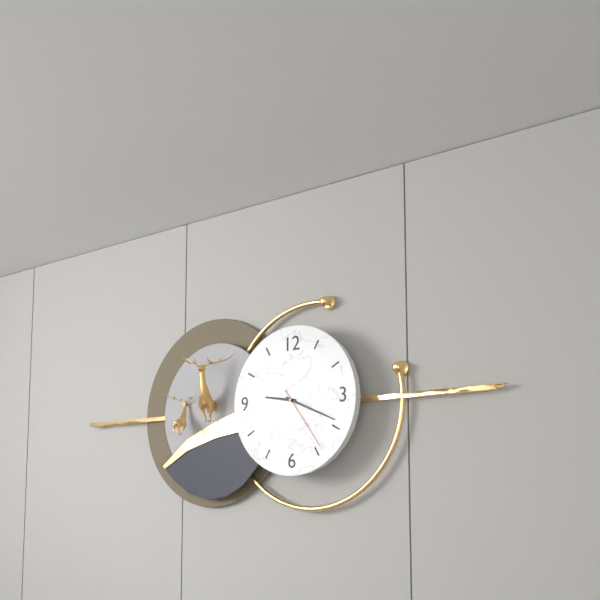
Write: 9:19:24
